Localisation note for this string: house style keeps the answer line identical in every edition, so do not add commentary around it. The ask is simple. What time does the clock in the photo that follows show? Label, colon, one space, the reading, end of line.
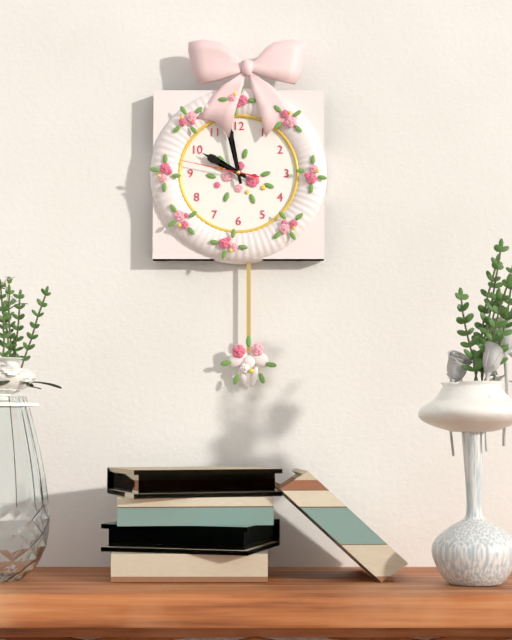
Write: 9:58:47
